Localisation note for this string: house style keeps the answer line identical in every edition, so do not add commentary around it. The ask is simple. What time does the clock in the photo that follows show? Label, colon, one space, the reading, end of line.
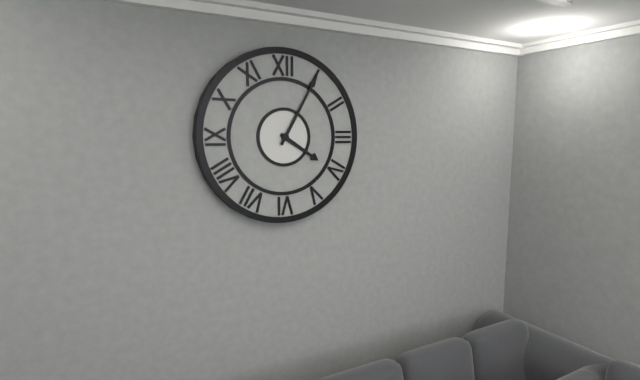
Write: 4:05
